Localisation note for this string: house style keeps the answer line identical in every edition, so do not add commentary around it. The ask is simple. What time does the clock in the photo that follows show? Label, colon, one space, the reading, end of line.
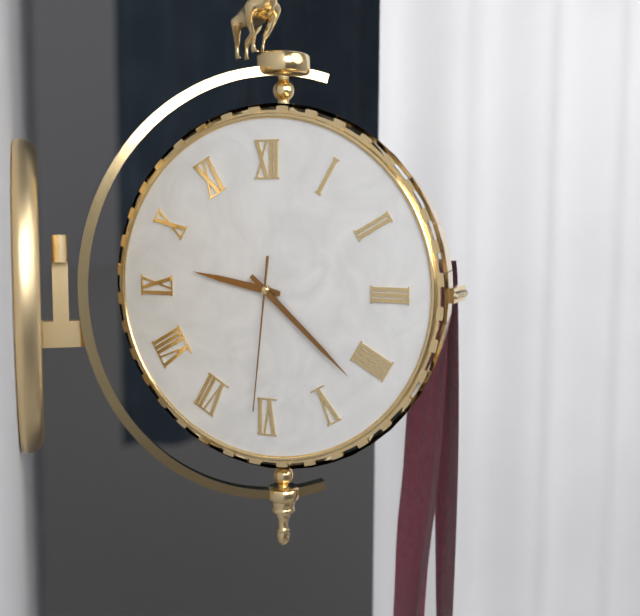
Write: 9:22:31
